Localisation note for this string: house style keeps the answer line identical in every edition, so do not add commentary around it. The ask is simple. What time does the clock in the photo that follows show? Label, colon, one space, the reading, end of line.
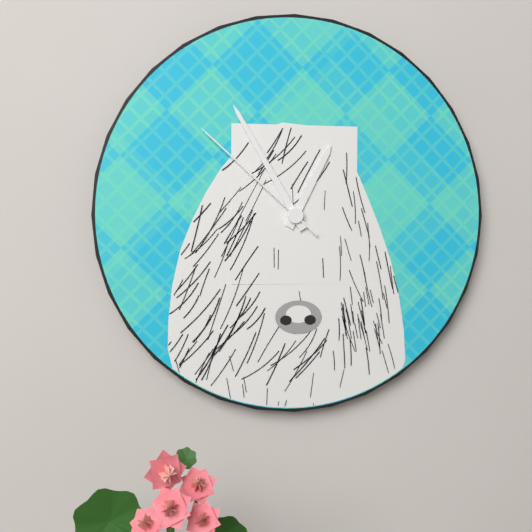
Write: 12:55:52
